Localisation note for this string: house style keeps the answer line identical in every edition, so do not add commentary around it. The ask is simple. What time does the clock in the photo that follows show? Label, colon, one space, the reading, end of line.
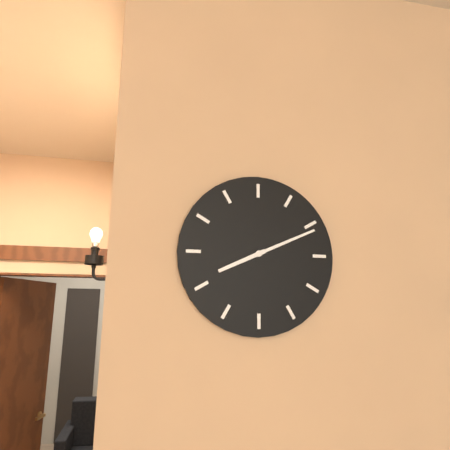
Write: 8:11
